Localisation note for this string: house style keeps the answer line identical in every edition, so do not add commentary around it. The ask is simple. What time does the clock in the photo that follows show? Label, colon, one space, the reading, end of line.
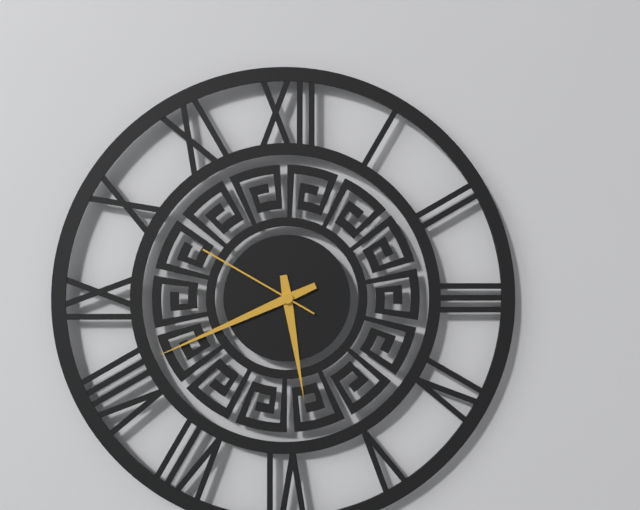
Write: 5:41:50
